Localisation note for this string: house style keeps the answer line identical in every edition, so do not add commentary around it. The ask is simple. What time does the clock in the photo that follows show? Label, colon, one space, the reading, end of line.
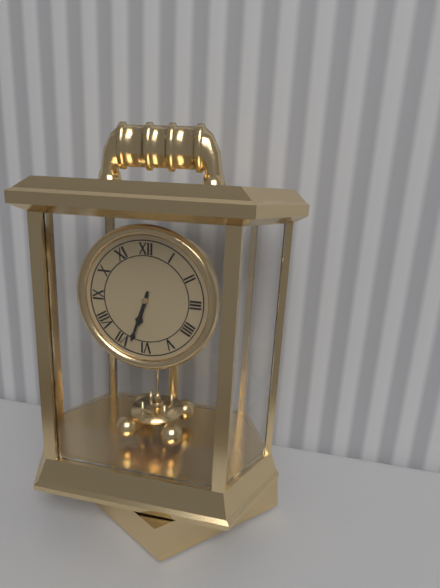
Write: 6:33
